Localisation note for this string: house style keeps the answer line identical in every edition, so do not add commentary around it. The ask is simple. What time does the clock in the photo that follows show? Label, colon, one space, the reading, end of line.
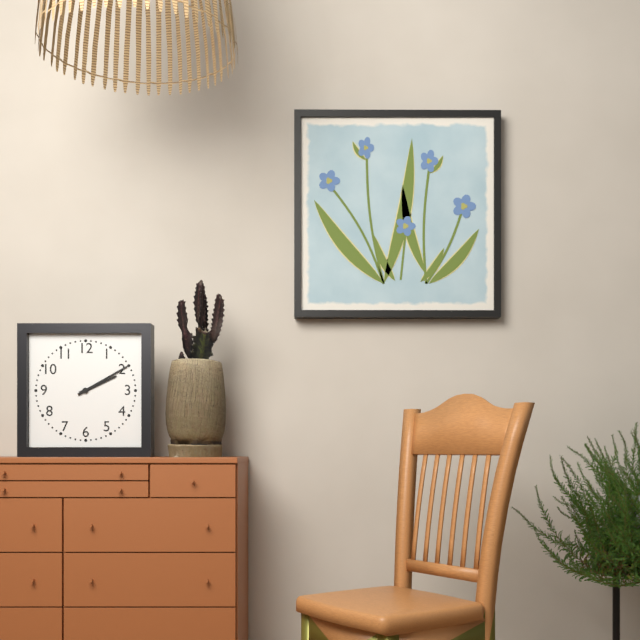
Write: 2:10
